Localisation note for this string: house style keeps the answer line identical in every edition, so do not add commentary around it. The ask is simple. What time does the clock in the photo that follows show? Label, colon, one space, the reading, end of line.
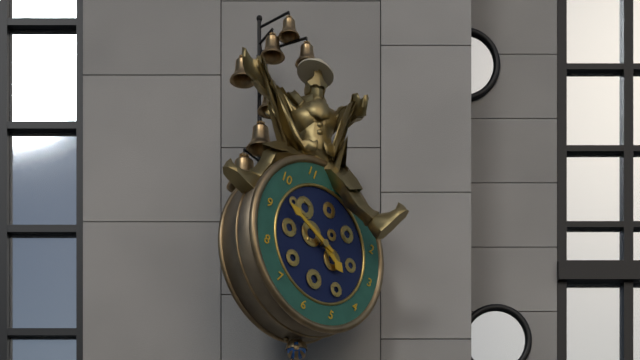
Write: 3:47
